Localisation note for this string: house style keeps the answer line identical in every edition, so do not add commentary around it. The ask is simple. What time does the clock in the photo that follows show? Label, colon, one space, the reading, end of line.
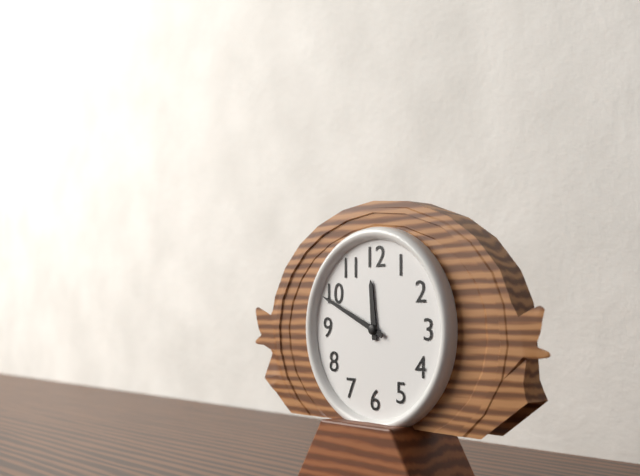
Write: 11:49
